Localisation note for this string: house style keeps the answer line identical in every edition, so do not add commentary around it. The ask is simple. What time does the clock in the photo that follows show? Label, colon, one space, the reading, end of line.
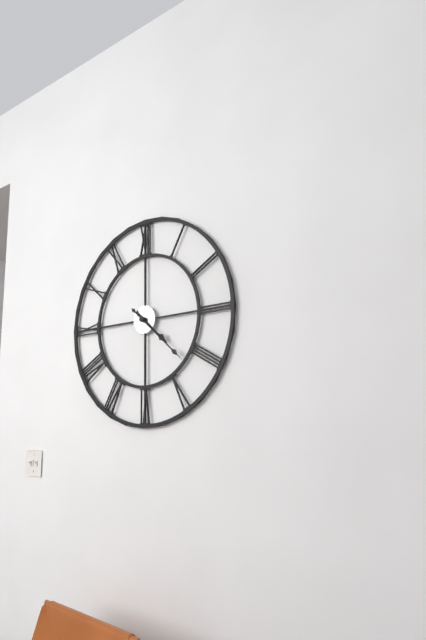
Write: 4:22
